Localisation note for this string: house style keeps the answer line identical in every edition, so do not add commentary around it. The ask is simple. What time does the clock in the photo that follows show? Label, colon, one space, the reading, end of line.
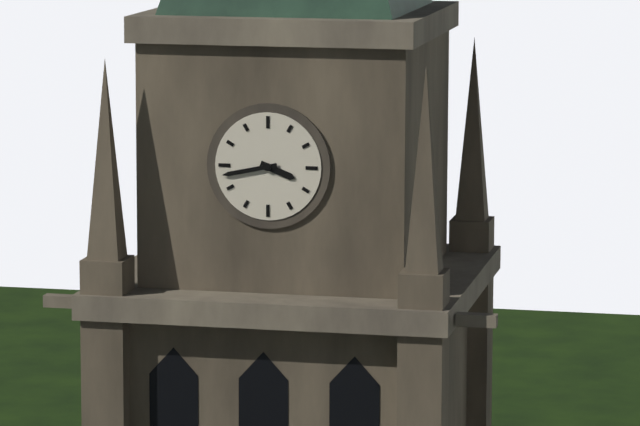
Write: 3:43
